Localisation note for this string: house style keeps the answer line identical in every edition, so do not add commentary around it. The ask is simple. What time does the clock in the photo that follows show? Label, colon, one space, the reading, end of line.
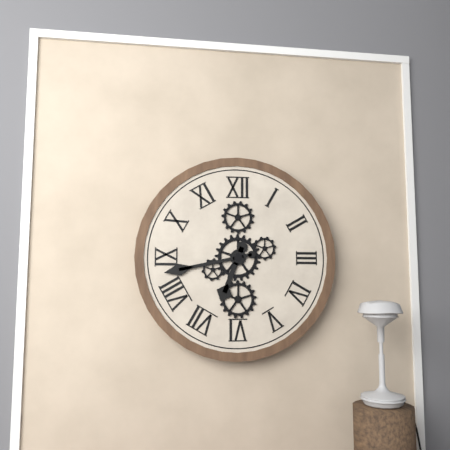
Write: 6:43
